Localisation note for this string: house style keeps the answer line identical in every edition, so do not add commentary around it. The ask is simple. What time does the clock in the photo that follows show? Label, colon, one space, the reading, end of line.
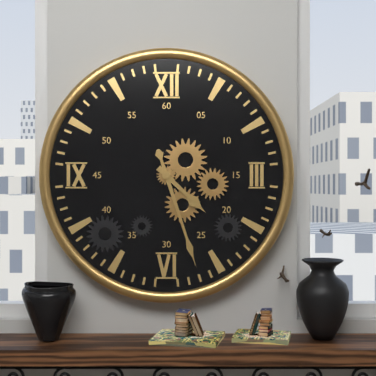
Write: 4:27
